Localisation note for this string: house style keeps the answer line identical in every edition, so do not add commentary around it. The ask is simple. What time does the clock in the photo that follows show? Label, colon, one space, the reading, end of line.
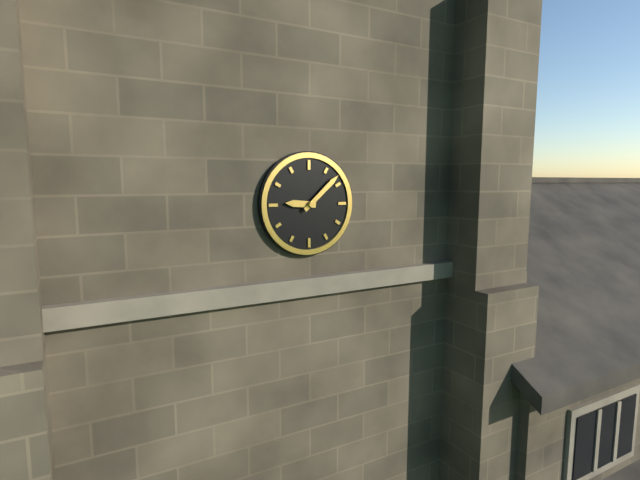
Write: 9:08
